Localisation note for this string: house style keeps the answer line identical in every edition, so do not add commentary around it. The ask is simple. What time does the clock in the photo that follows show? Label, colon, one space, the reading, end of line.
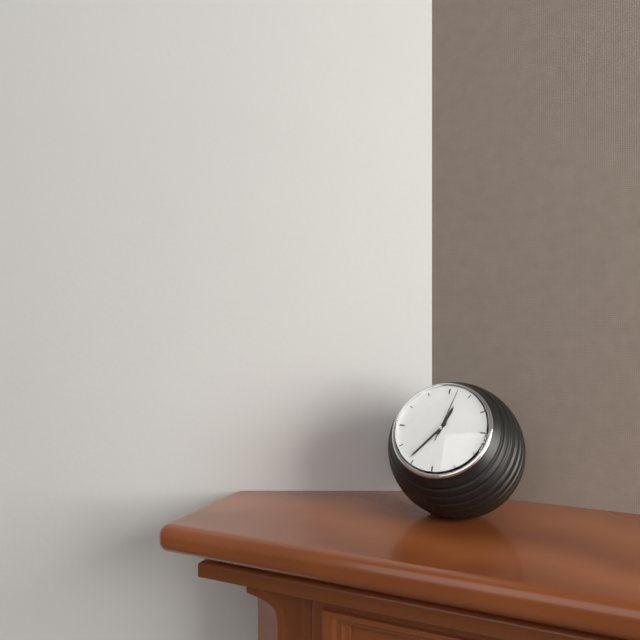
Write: 12:36:02
